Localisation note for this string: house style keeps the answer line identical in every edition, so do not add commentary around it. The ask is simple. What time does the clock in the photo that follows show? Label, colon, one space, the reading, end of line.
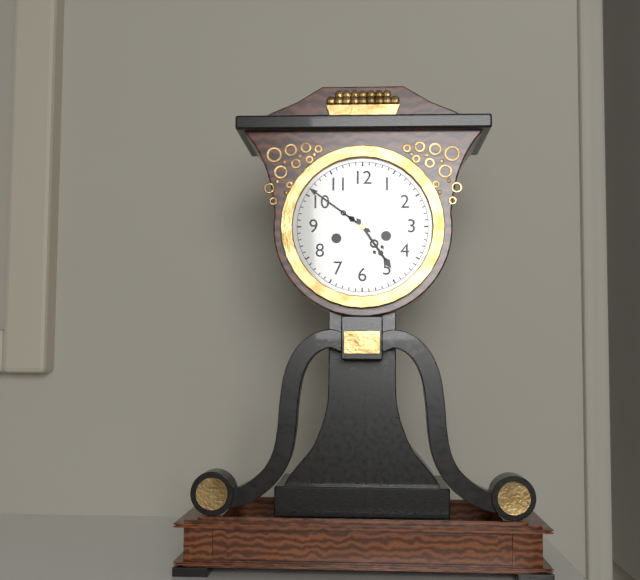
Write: 4:51
